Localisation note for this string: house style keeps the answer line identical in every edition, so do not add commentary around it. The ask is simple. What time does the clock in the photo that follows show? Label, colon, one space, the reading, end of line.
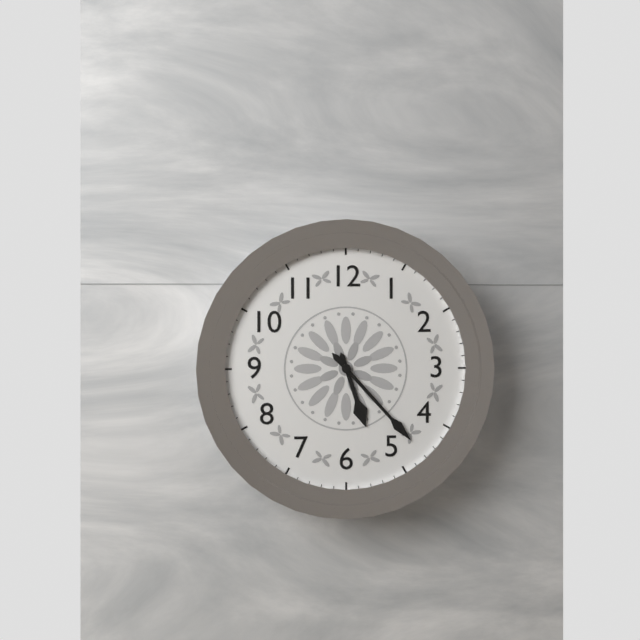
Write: 5:23
